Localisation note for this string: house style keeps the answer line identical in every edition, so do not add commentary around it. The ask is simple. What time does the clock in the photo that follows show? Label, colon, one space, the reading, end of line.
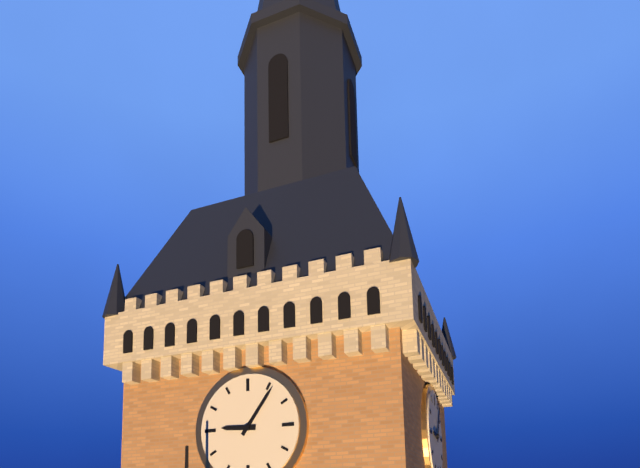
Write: 9:06
